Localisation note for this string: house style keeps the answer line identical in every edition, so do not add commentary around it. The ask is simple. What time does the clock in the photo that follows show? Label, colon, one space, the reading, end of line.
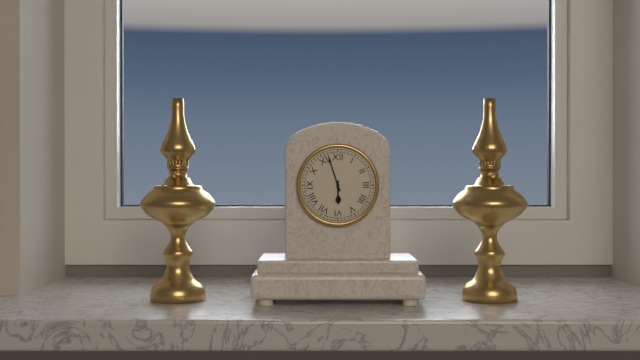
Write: 5:57
